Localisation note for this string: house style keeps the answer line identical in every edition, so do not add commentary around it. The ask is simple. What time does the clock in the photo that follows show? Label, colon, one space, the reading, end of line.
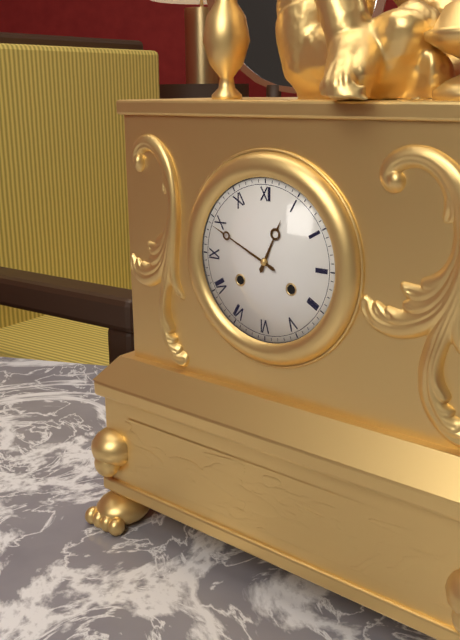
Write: 12:49
